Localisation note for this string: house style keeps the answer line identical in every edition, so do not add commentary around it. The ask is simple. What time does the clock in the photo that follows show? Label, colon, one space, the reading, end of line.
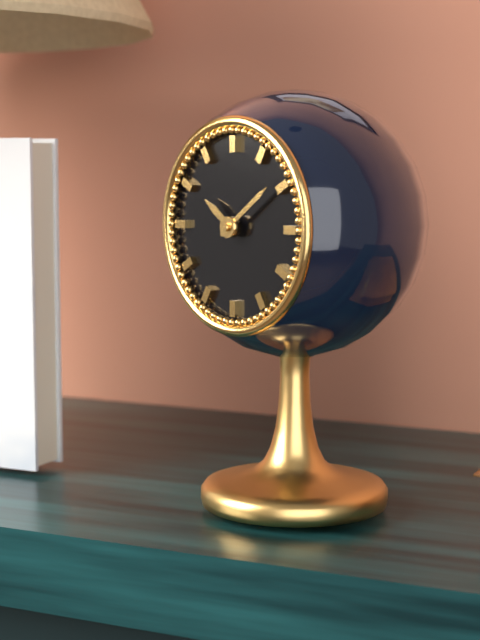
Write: 10:09
